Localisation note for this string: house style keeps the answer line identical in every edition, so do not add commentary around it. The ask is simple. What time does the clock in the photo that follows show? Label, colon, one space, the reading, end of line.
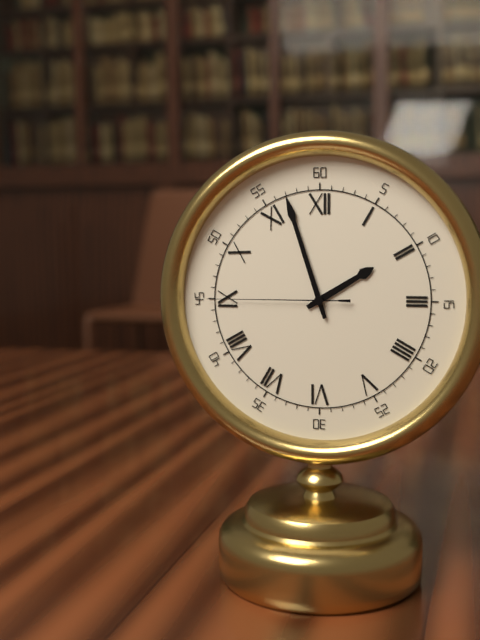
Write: 1:57:45
